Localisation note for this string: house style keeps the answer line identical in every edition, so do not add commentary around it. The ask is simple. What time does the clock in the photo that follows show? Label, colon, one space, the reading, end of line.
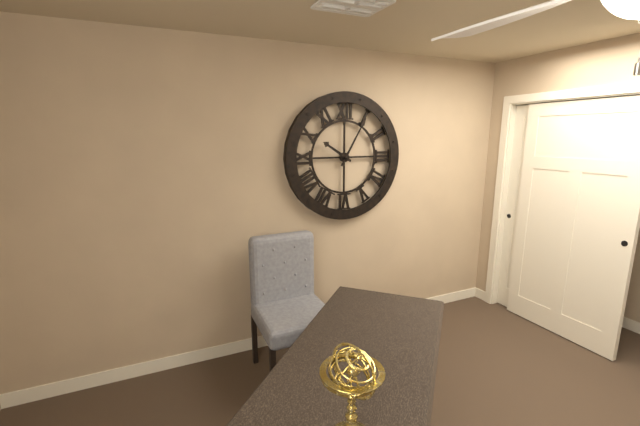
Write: 10:05
